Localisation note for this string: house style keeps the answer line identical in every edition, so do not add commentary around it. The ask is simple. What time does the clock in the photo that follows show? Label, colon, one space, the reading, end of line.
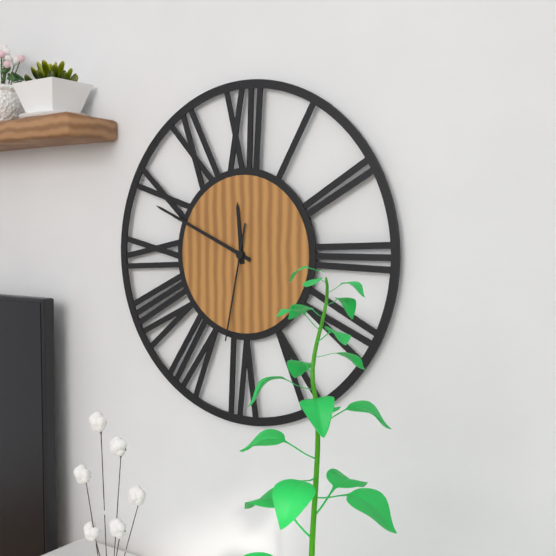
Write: 11:49:32
